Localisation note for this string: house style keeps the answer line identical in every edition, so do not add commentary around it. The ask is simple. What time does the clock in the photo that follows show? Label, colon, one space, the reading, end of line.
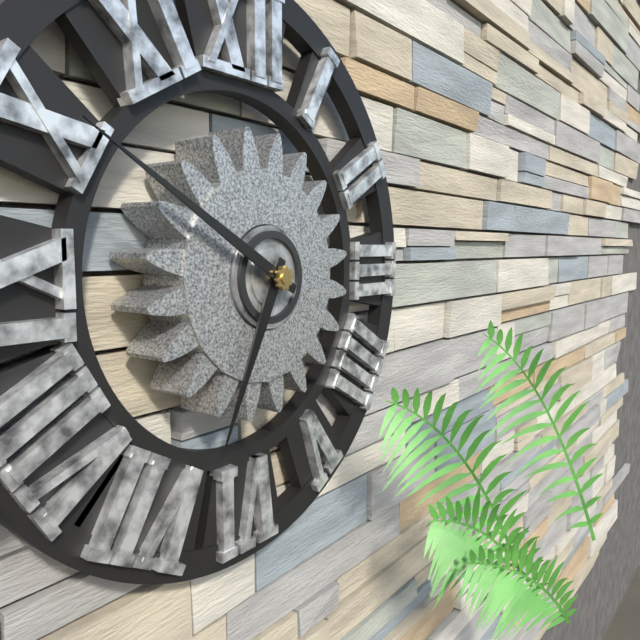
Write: 6:50
